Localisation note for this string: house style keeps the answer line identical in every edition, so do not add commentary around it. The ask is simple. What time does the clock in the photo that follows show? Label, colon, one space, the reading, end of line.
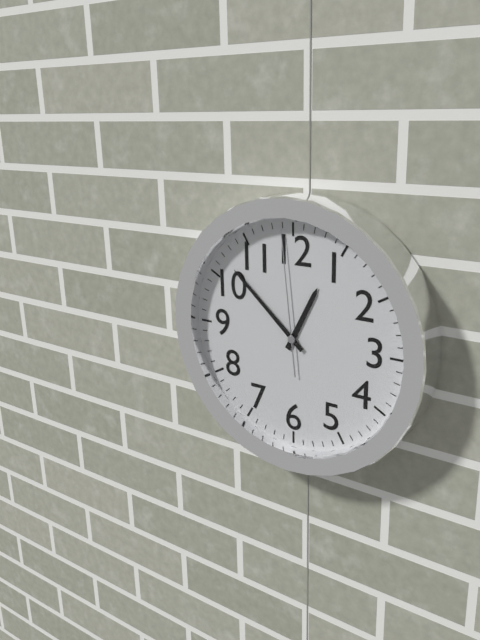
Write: 12:52:59
